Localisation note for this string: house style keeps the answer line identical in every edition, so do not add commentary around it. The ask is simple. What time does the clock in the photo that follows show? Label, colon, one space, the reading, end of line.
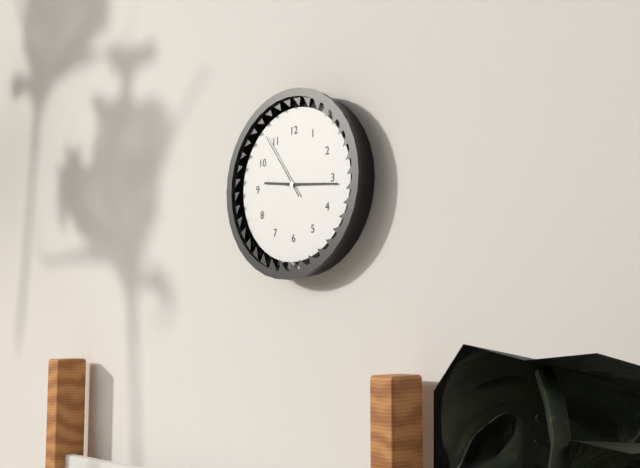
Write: 9:16:54
